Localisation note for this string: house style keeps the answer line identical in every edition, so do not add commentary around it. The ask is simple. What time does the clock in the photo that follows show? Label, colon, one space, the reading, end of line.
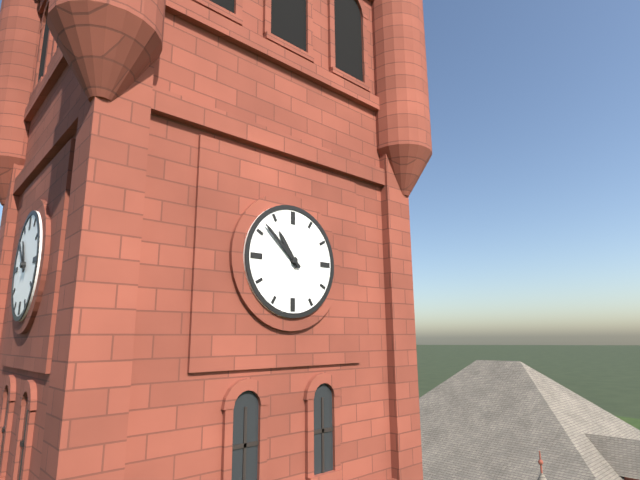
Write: 10:52
